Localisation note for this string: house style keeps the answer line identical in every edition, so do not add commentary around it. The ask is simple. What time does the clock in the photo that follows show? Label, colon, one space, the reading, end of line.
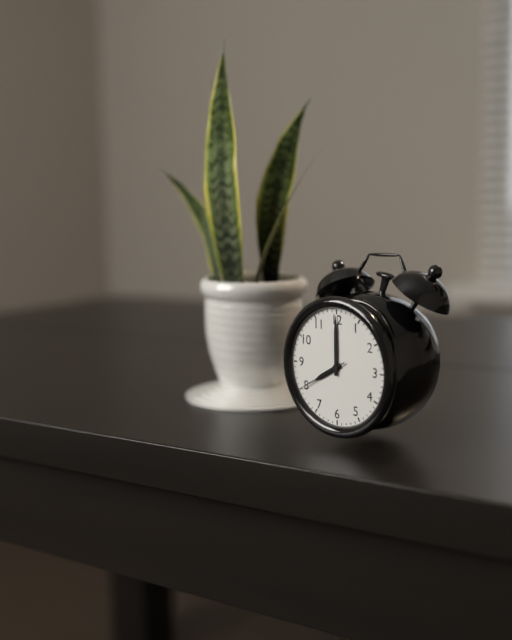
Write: 8:00:40
